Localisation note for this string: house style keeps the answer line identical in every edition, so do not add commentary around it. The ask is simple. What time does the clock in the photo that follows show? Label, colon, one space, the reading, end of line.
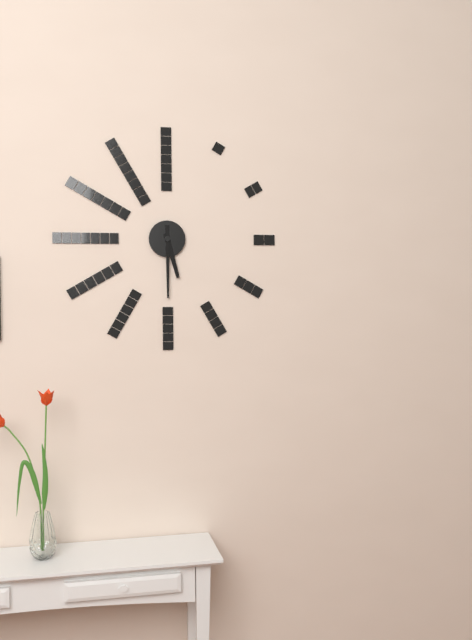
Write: 5:30
